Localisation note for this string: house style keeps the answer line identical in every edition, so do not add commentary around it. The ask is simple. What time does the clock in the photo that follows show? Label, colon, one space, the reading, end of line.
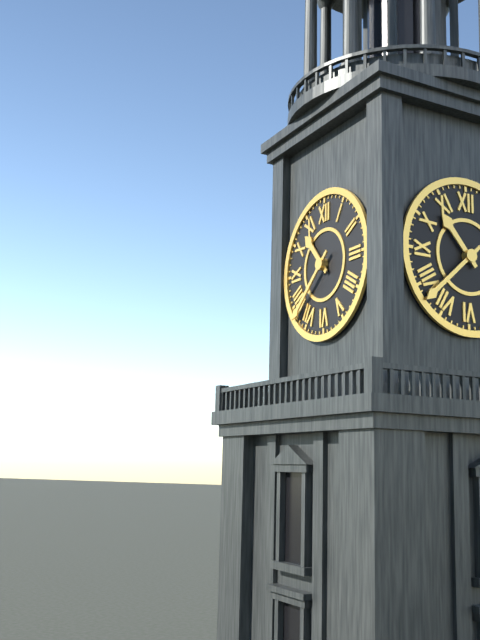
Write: 10:38
